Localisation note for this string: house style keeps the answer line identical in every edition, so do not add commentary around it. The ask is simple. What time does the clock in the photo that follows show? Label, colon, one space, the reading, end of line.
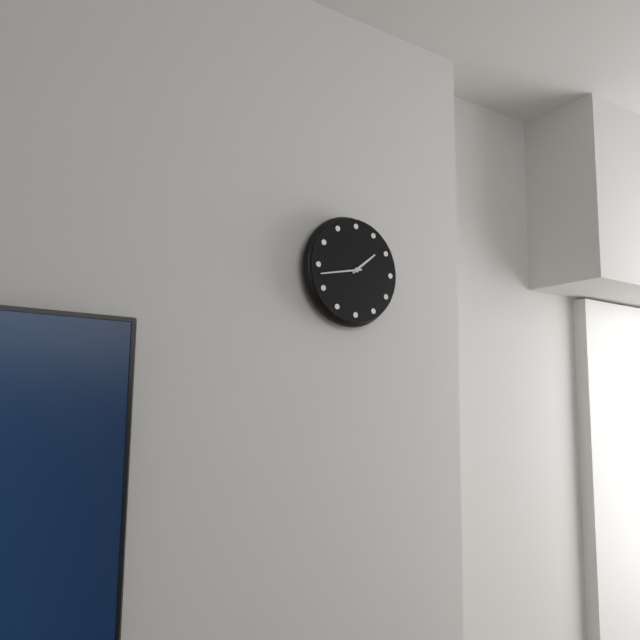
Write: 1:43
